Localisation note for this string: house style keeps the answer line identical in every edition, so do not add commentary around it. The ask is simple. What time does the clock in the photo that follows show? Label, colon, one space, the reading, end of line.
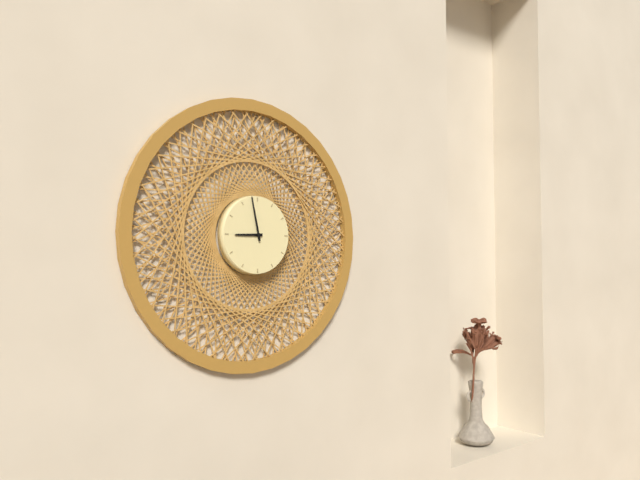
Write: 8:58
